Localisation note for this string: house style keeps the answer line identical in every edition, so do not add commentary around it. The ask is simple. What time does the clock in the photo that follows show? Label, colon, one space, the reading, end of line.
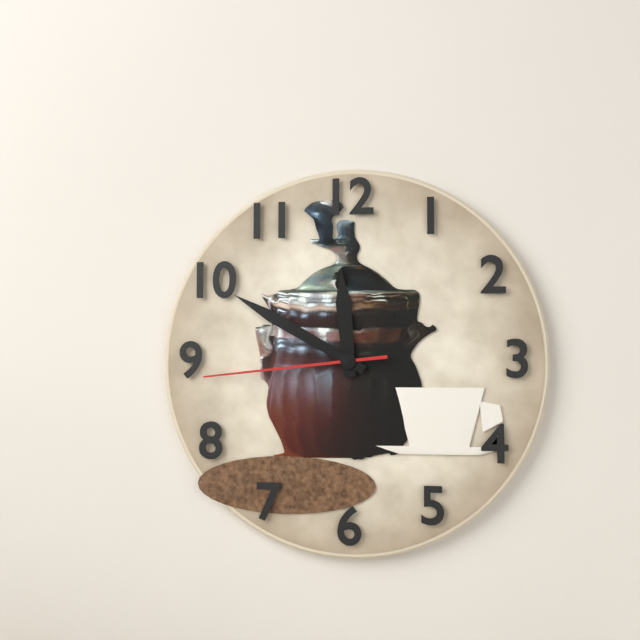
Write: 11:50:44
